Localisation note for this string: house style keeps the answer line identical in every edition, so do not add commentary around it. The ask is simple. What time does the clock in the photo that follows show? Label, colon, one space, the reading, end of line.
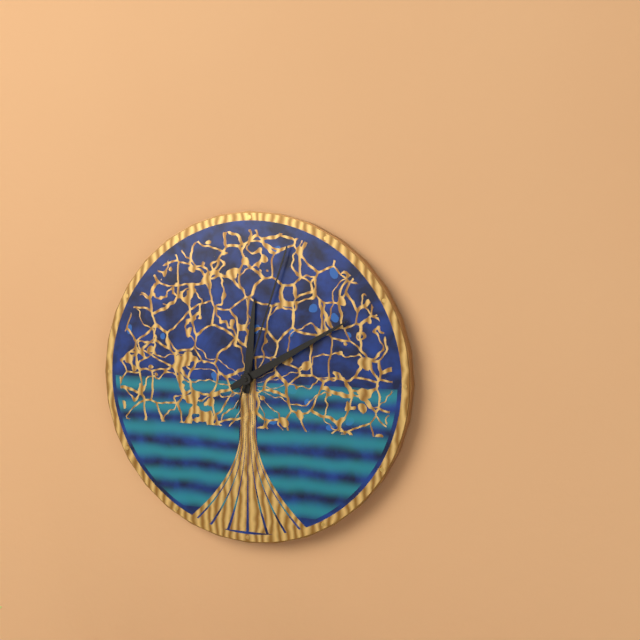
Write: 12:10:03
